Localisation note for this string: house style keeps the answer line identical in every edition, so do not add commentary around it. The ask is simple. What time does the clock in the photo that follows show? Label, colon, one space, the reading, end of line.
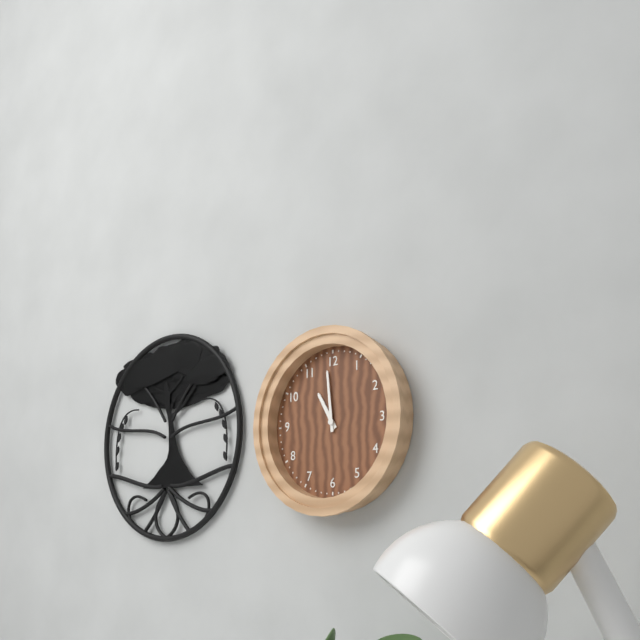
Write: 10:59
